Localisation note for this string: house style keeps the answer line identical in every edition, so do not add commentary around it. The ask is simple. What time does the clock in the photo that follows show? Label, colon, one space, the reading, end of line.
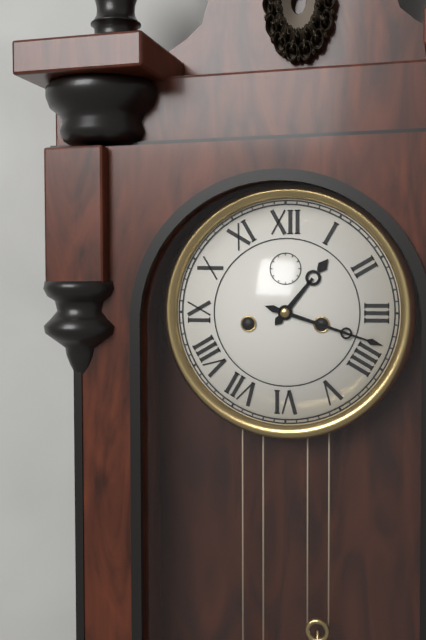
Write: 1:18
